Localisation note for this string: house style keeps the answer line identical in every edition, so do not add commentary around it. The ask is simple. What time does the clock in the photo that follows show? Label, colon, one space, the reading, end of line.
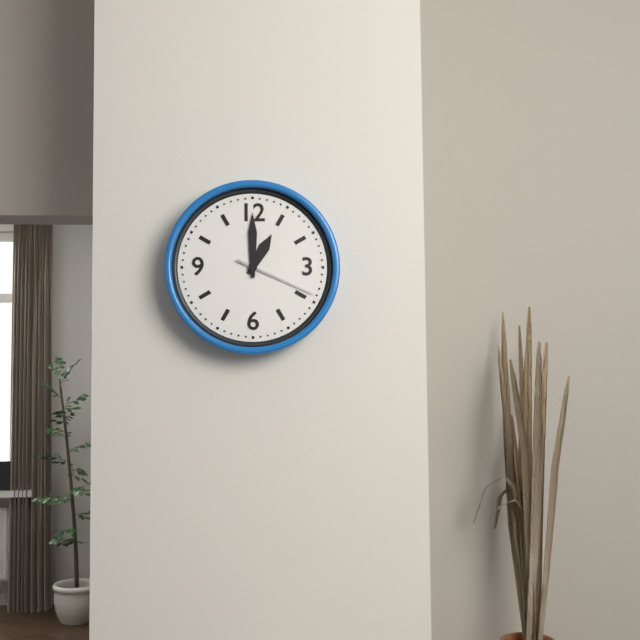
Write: 1:00:19
